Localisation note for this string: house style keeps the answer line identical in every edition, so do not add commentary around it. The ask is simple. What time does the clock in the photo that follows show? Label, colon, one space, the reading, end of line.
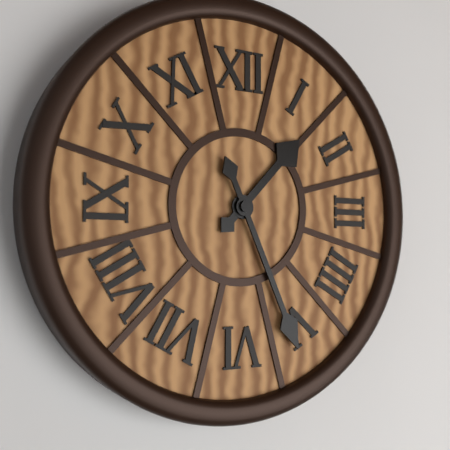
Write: 1:26
